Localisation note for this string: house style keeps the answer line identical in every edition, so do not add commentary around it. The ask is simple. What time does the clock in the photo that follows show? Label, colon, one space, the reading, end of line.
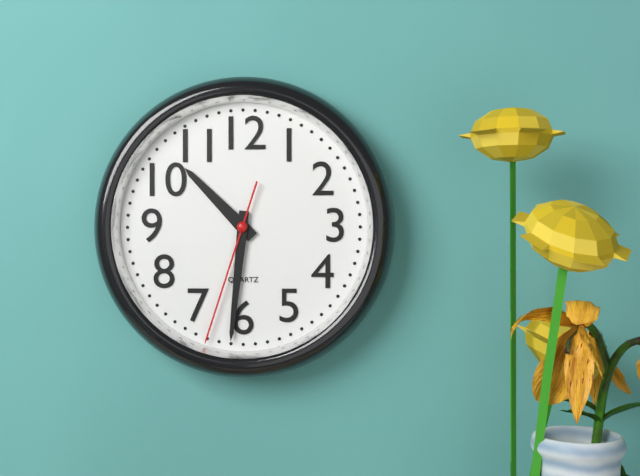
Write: 10:31:33
